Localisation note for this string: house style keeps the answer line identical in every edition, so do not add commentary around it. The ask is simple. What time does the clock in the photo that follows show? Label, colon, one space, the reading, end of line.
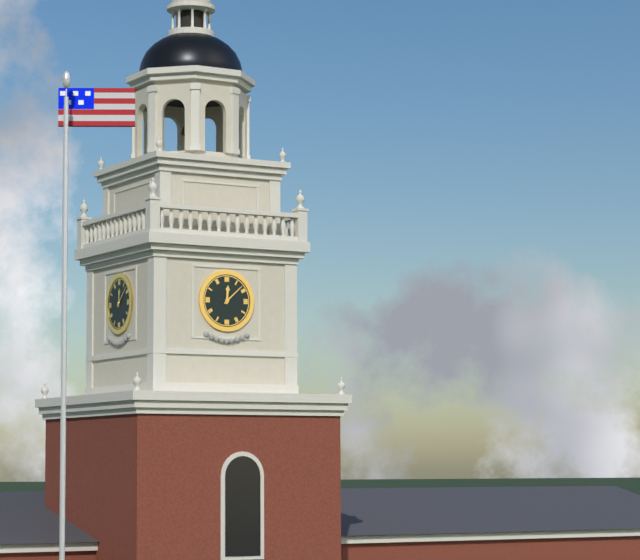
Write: 12:08
